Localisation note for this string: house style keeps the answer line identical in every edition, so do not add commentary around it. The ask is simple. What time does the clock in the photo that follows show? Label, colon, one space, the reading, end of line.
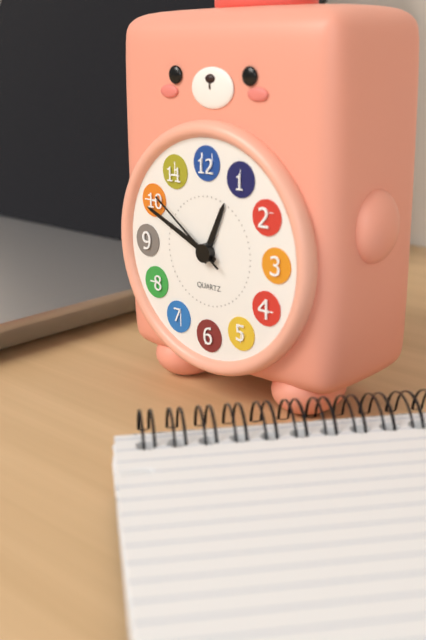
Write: 12:49:51
